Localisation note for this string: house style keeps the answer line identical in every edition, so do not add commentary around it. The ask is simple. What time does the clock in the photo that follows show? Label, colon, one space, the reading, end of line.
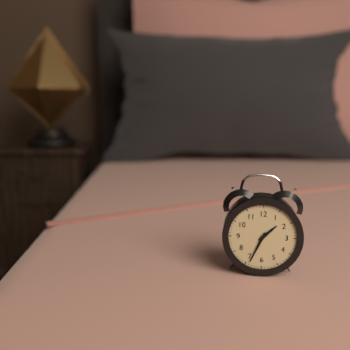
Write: 1:34
